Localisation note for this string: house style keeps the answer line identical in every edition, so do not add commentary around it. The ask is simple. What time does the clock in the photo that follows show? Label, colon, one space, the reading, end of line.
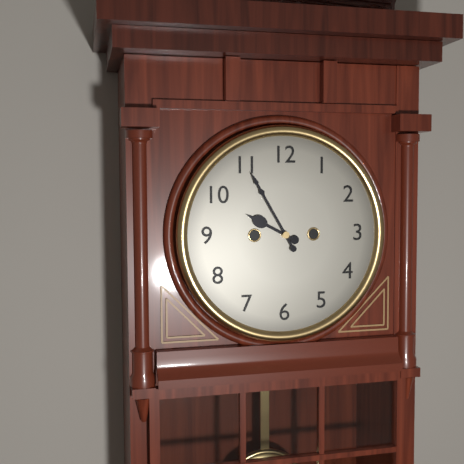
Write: 9:55
